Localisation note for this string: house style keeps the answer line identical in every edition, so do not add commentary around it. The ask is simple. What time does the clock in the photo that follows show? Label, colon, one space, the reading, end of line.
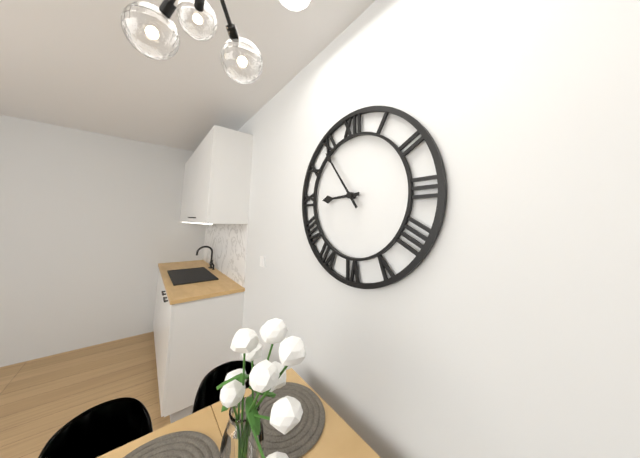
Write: 8:54
